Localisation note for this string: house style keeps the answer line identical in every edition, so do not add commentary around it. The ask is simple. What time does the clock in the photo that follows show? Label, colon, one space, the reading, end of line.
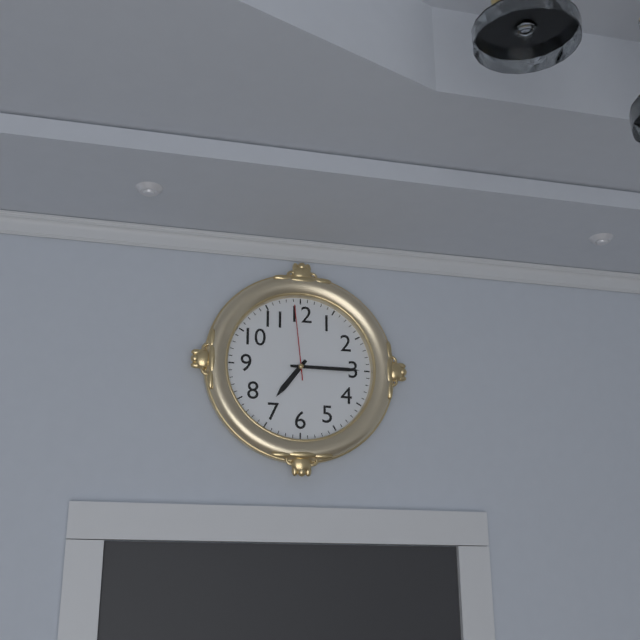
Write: 7:15:59
